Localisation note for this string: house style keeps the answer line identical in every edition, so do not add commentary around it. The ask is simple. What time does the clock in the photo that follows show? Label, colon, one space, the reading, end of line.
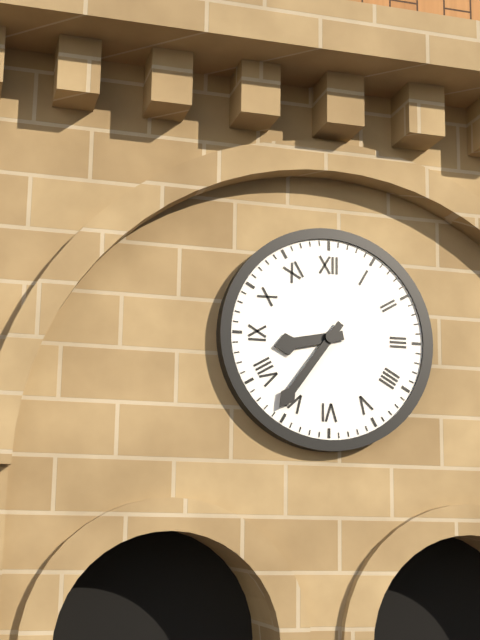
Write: 8:36
